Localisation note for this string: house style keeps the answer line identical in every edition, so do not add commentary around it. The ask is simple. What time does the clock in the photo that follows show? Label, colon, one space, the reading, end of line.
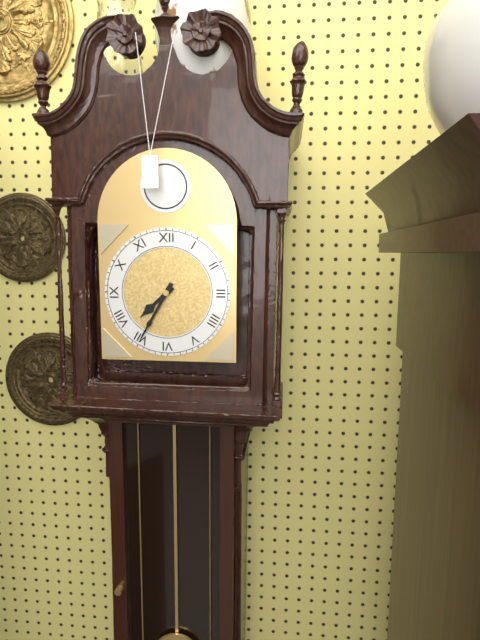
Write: 7:35
